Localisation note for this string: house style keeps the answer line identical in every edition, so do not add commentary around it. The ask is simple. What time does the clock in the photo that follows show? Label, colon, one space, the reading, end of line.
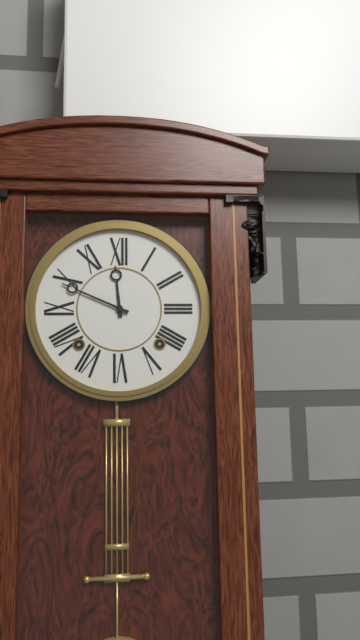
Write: 11:49
